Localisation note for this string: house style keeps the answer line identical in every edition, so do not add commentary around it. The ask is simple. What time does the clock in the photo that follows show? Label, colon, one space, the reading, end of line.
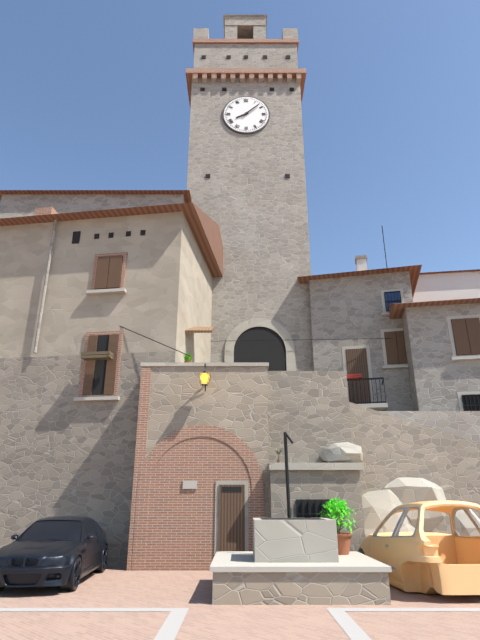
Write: 8:08
